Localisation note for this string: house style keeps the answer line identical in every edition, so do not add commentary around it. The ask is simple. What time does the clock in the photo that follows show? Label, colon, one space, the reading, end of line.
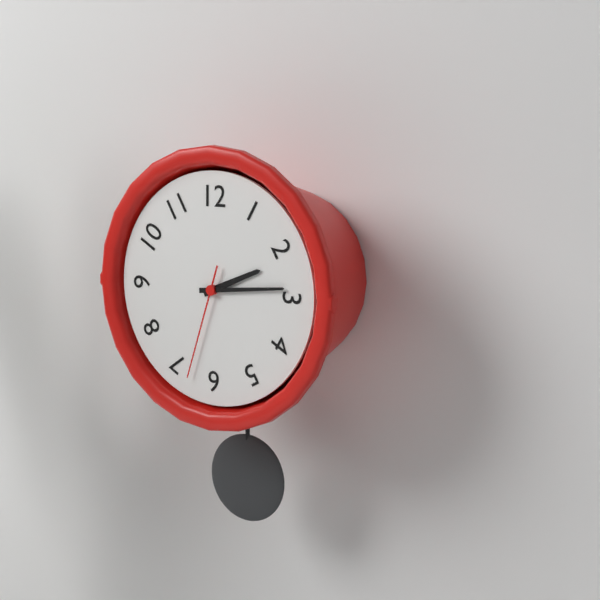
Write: 2:14:33
